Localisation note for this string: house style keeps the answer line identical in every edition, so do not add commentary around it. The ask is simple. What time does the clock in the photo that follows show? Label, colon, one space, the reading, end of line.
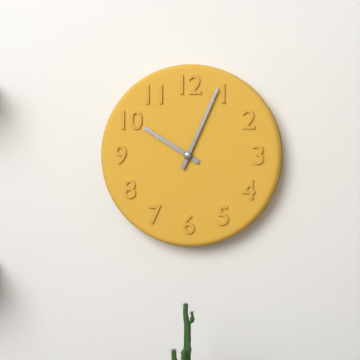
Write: 10:04
